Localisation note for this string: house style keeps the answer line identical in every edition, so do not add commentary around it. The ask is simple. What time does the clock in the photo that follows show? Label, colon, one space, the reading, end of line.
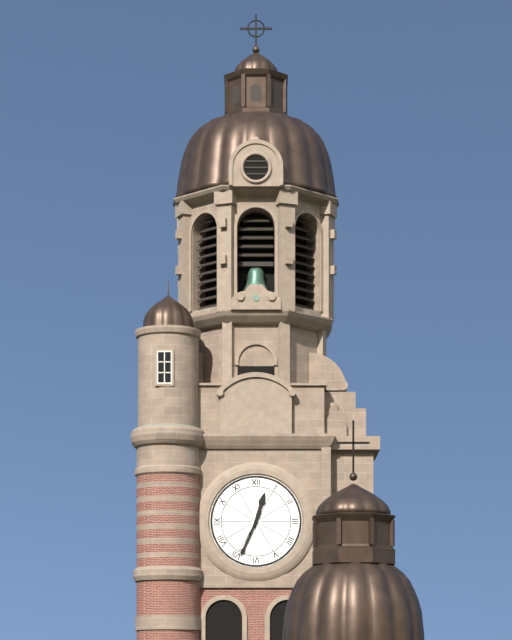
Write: 12:34
